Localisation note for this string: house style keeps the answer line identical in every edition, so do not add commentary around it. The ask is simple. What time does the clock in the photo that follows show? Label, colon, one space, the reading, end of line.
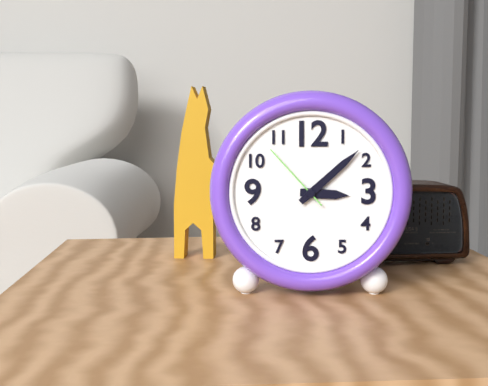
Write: 3:08:53
